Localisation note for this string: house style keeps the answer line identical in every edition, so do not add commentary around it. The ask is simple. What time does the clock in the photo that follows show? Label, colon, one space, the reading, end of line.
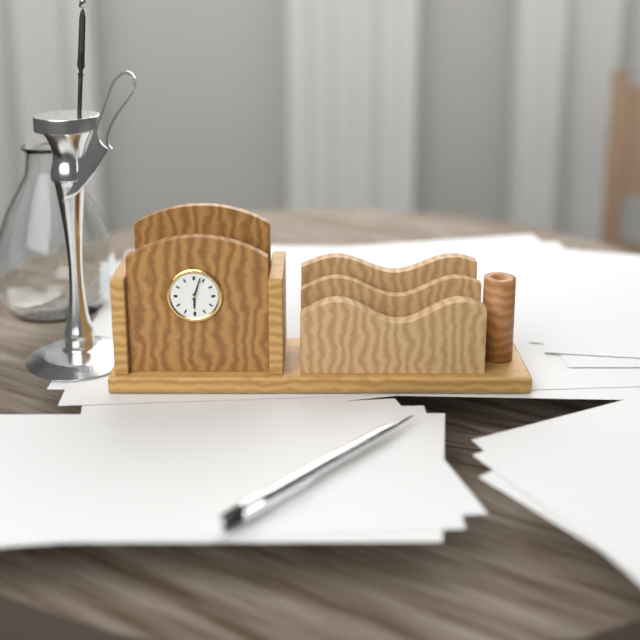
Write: 6:03
